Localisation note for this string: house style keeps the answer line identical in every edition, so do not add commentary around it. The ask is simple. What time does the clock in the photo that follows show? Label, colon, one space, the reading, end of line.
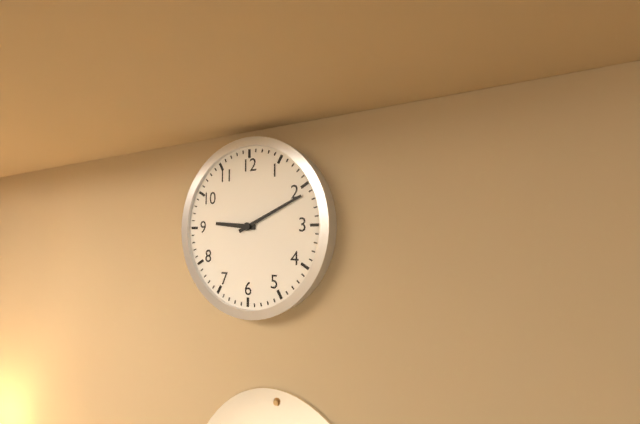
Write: 9:11
